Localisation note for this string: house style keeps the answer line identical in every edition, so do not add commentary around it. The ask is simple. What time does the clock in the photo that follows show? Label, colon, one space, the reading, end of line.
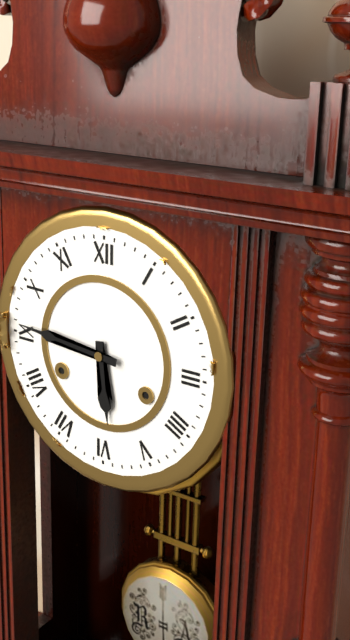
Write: 5:46
